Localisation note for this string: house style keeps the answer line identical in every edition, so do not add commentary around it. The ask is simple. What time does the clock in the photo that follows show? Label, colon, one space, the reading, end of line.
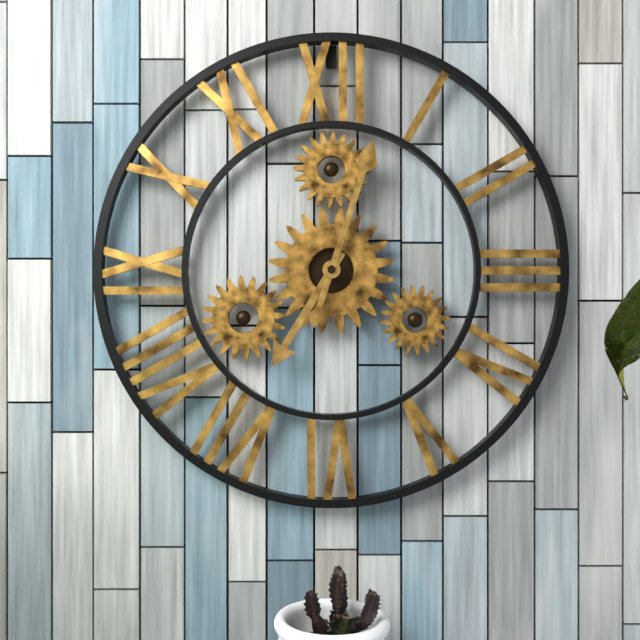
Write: 7:03
